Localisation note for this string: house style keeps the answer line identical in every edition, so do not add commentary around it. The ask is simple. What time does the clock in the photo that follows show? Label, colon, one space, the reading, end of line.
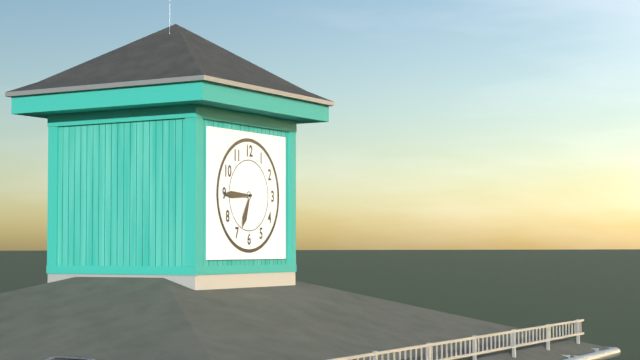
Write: 6:45
